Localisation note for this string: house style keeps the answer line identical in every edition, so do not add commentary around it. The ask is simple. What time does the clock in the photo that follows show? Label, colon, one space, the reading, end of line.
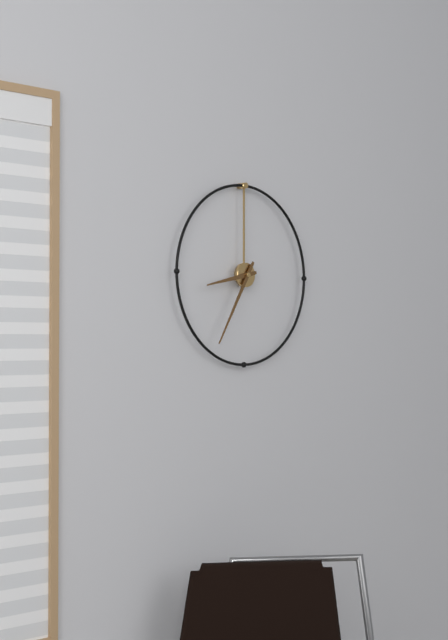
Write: 8:35
